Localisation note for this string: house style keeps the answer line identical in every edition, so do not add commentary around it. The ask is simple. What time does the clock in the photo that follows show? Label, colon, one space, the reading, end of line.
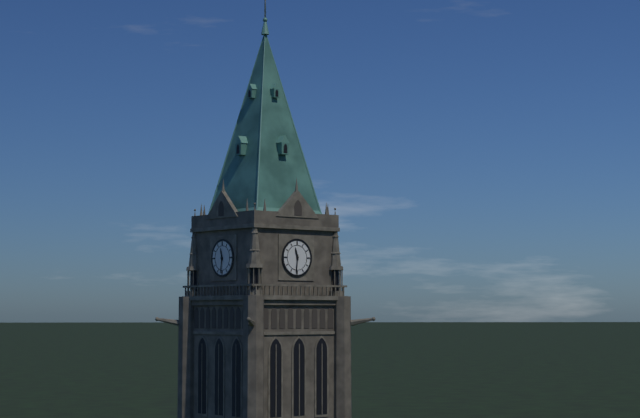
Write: 11:31
